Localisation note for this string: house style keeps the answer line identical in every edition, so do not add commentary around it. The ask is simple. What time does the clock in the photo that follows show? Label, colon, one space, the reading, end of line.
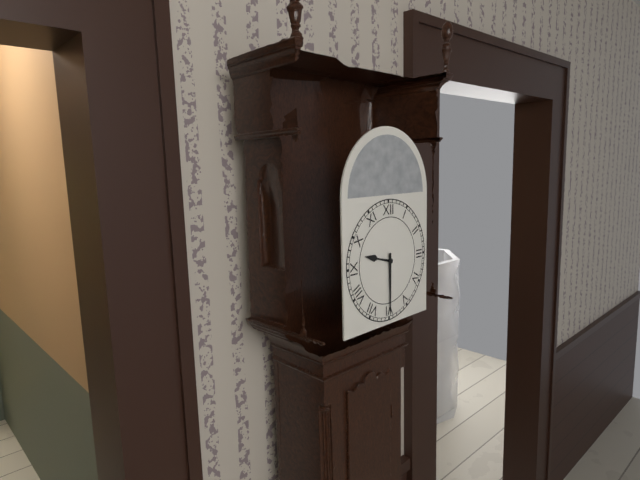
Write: 9:30
